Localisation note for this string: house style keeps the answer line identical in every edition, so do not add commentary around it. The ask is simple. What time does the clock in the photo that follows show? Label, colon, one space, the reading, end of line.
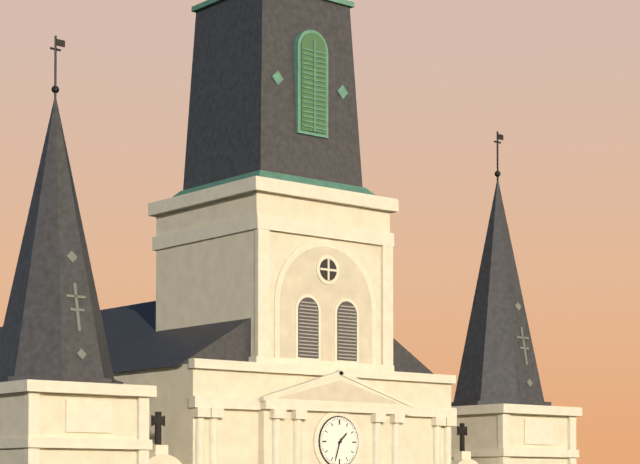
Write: 1:33
